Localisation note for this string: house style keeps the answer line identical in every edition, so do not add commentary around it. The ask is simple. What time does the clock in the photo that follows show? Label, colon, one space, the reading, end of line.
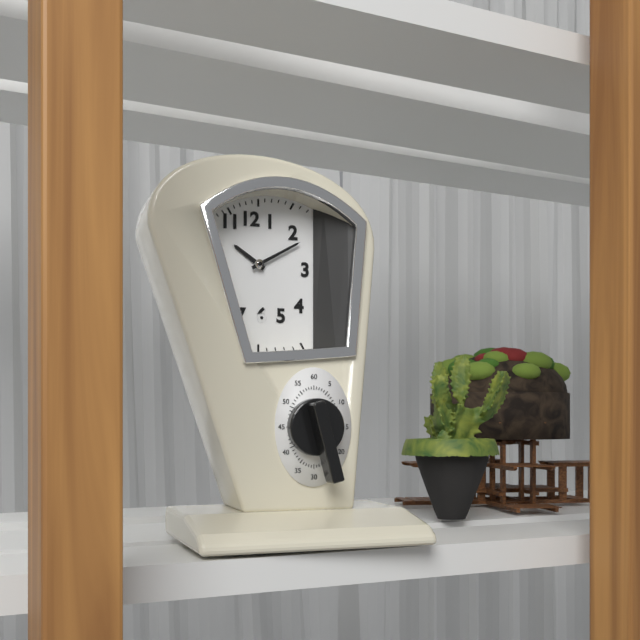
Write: 10:10
